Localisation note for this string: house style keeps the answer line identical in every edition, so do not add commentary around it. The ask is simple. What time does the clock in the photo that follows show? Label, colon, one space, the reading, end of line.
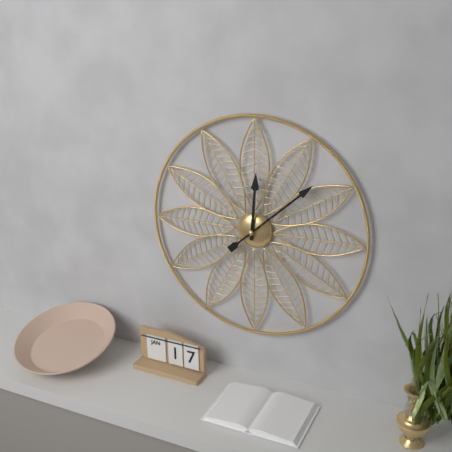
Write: 12:08
